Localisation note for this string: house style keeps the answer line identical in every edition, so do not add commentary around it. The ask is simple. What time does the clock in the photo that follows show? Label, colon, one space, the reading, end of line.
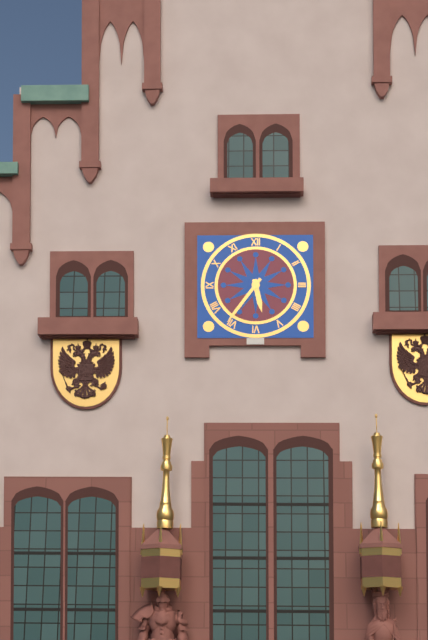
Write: 5:36
